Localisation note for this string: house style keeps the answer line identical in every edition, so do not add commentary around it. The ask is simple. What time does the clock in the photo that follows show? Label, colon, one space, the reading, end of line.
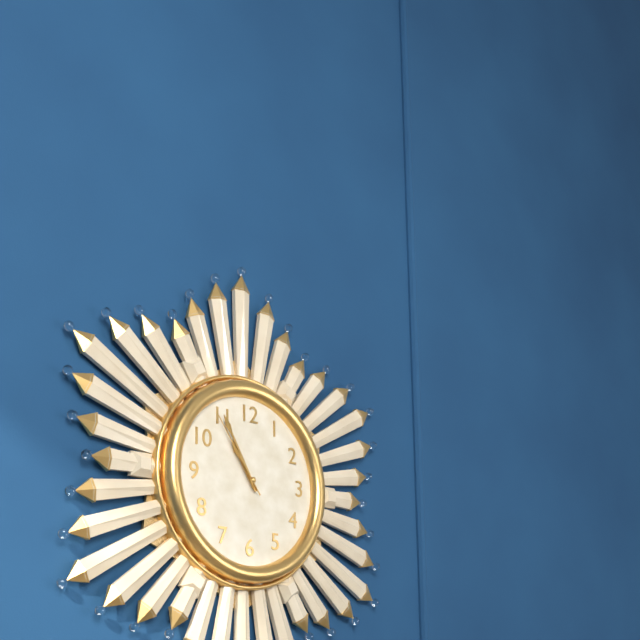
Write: 10:55:54
